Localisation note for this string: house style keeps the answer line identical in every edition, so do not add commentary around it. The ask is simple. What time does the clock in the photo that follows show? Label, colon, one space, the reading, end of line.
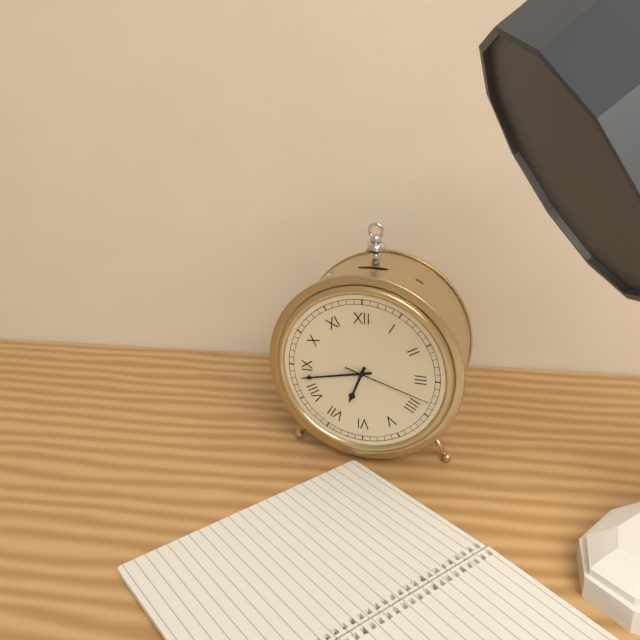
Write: 6:43:18
